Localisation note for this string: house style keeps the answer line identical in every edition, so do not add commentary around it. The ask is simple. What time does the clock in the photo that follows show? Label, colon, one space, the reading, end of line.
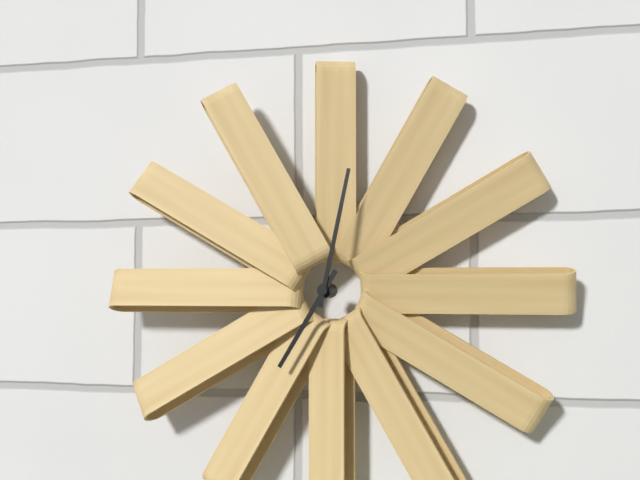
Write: 7:02
